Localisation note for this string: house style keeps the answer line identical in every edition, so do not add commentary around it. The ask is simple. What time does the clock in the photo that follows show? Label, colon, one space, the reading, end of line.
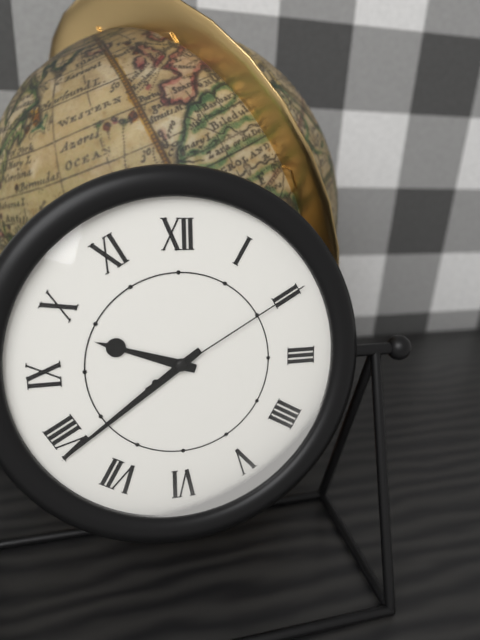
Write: 9:39:10
